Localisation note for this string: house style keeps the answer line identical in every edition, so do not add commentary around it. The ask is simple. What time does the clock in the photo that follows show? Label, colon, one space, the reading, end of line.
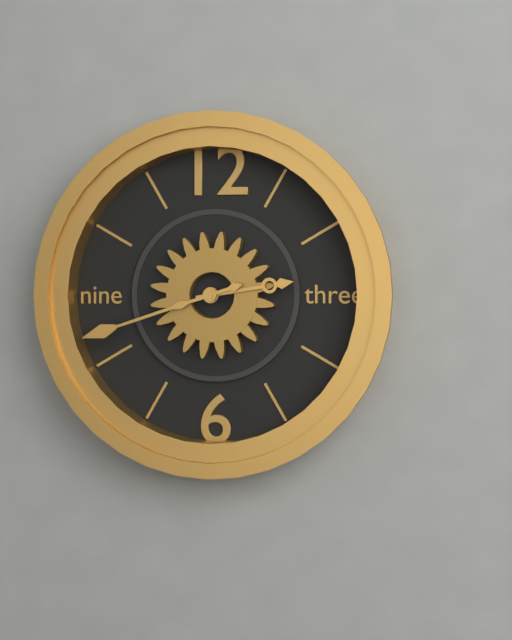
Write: 2:42
